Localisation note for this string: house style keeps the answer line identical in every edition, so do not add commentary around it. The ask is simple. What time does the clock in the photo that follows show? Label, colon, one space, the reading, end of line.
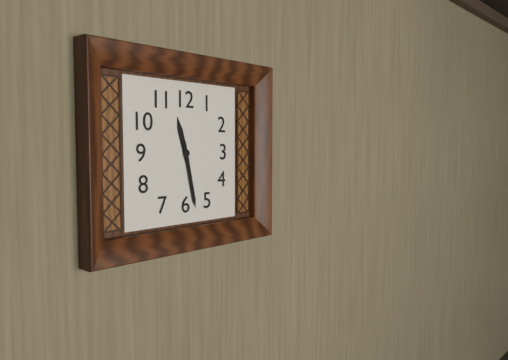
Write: 11:28
